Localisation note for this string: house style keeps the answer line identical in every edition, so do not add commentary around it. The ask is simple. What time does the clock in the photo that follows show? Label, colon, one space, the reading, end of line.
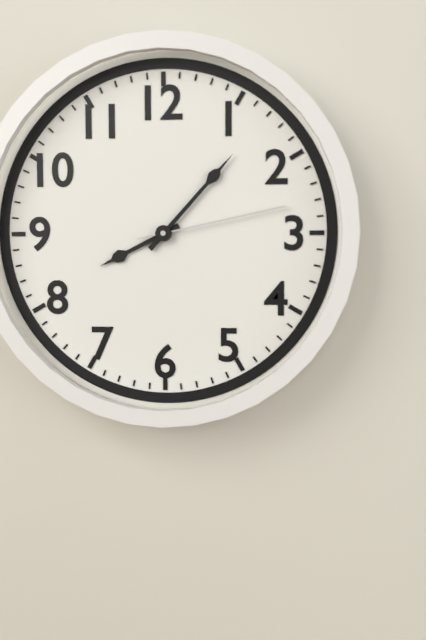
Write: 8:07:13
